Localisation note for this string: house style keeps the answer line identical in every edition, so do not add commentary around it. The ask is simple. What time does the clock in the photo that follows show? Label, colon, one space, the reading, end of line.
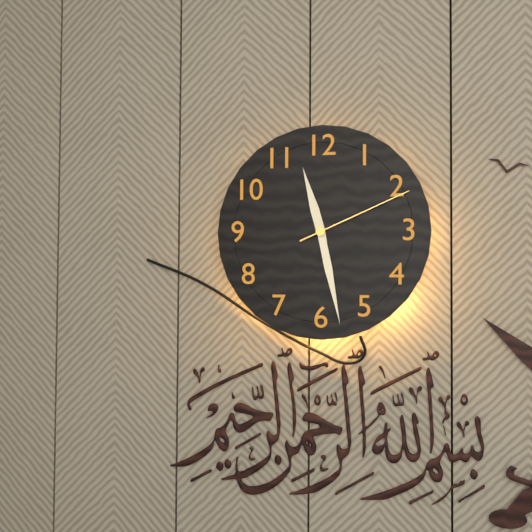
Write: 11:28:11
